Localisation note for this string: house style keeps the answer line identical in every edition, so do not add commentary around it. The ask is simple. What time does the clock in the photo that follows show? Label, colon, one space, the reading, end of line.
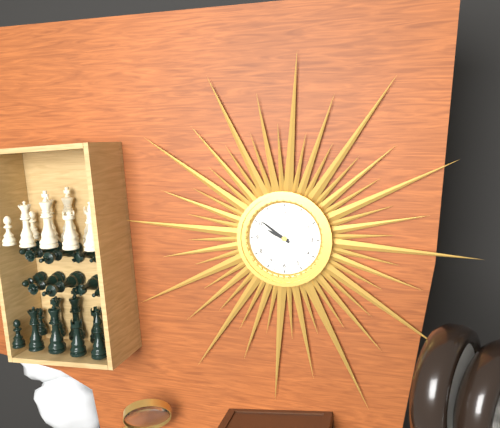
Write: 9:51
